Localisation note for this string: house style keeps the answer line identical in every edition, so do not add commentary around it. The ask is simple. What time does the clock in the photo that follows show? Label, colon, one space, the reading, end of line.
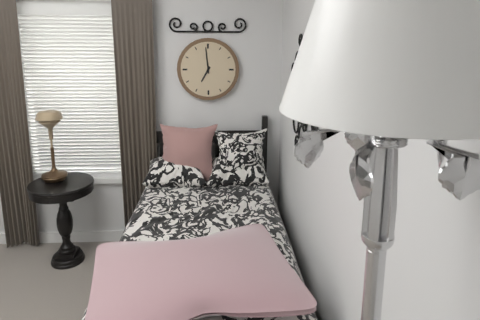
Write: 6:59
